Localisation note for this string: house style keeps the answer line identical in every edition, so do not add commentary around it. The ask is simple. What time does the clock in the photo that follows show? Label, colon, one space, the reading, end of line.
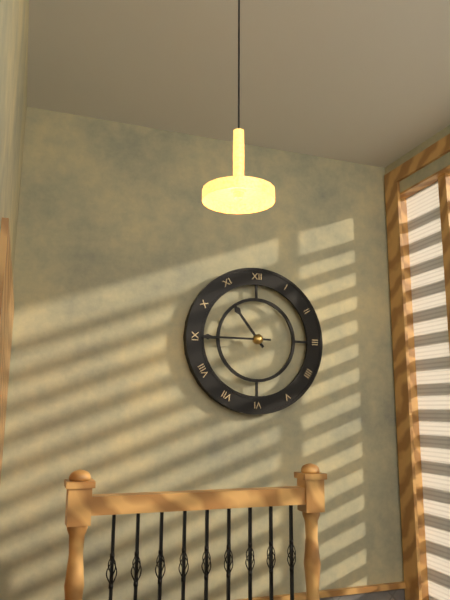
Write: 10:45
